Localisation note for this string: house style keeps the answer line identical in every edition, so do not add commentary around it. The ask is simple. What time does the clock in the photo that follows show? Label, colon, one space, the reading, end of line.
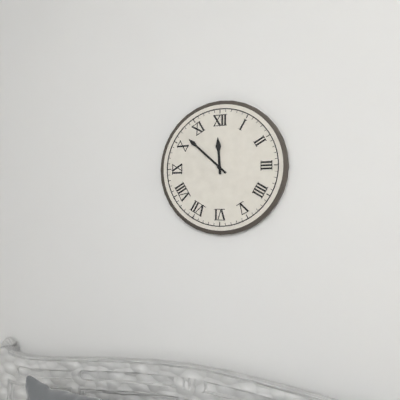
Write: 11:52
